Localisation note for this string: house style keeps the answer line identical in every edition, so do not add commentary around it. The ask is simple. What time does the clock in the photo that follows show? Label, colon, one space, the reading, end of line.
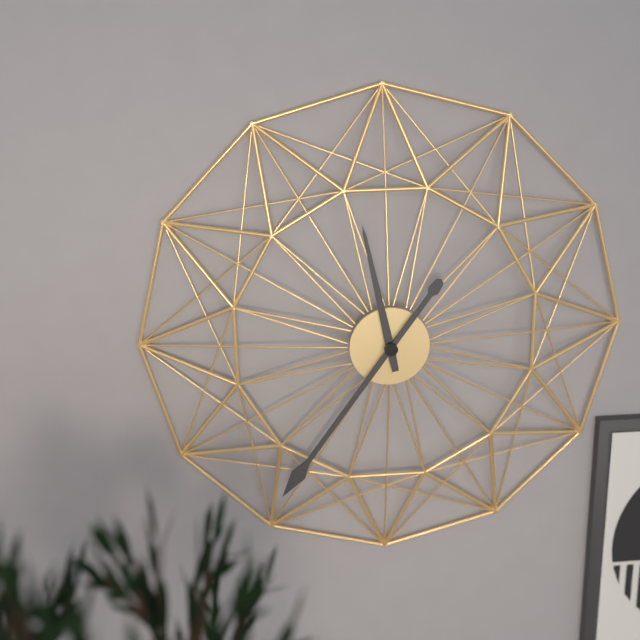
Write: 11:36
